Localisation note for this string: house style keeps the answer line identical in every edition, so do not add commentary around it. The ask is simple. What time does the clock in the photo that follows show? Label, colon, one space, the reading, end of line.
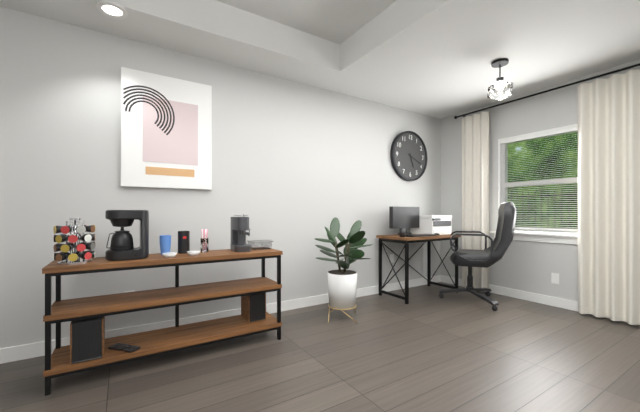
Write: 5:19
